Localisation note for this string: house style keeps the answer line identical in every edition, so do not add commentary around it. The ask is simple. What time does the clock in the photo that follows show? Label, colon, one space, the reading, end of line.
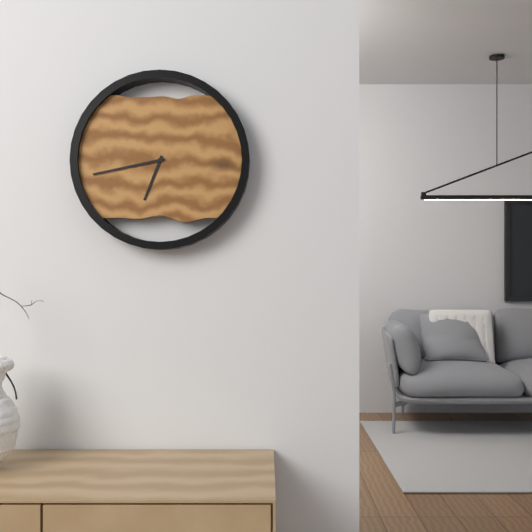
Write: 6:43
